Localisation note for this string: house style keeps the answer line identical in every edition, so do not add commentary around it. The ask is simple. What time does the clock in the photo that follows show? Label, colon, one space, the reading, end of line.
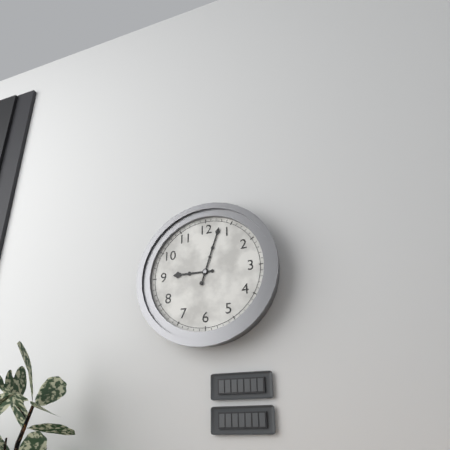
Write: 9:03
